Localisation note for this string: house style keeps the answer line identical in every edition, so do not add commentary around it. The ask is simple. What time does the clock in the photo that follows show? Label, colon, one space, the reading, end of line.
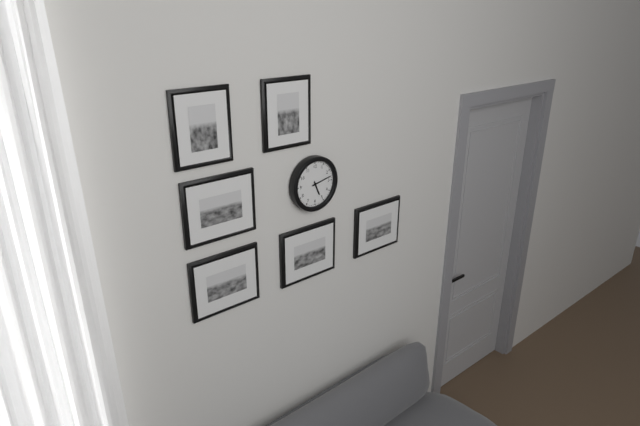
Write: 5:13
